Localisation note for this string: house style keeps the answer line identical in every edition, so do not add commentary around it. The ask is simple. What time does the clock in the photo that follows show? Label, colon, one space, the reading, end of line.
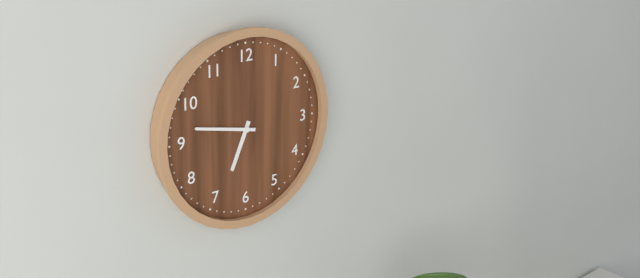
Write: 6:47
